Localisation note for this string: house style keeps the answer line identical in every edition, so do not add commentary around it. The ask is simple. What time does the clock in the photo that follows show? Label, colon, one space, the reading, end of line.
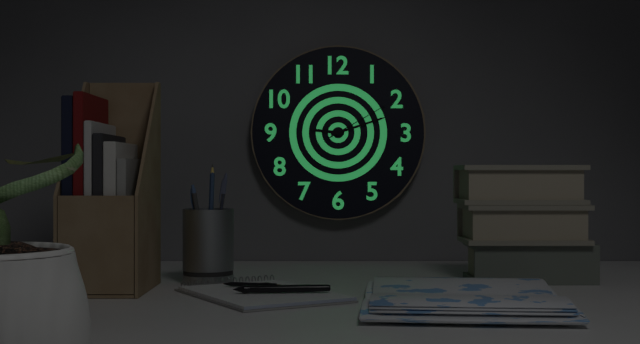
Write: 9:12:10
